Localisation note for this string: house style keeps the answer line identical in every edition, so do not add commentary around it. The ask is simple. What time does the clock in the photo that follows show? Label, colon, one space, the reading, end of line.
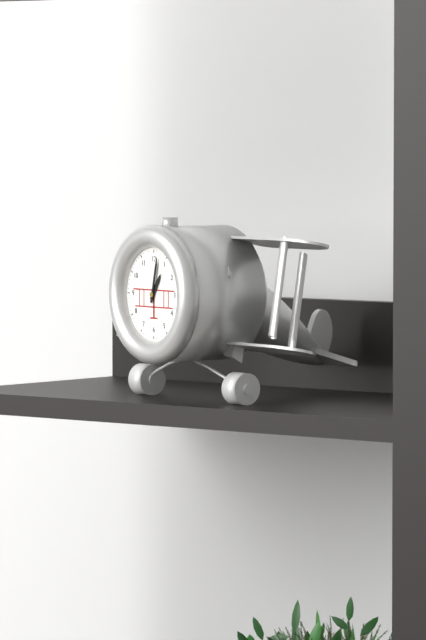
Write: 1:02
